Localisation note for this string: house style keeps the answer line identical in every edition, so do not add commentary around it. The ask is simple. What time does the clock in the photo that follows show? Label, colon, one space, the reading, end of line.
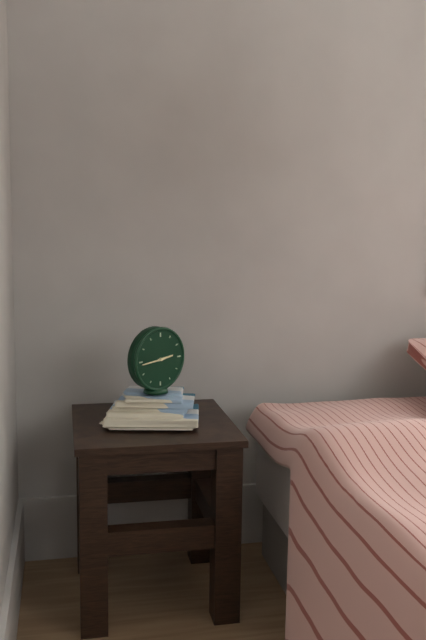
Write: 2:44
